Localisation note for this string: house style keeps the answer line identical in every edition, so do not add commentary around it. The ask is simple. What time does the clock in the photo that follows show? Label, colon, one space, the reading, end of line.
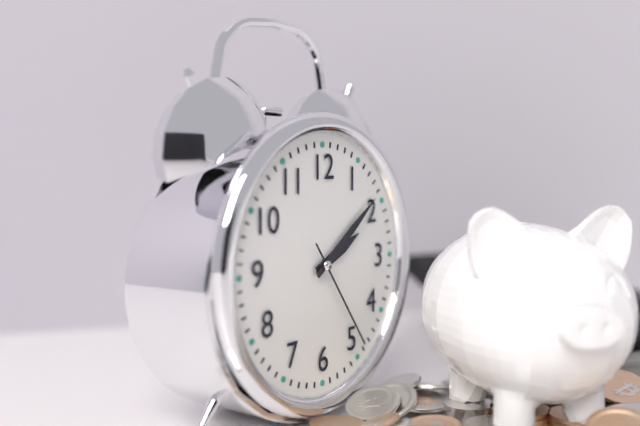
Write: 2:09:24
